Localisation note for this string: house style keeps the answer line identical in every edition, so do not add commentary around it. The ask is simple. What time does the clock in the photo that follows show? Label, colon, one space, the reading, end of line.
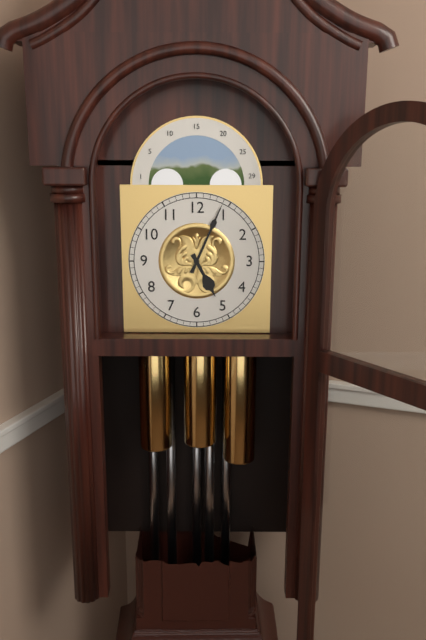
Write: 5:04
